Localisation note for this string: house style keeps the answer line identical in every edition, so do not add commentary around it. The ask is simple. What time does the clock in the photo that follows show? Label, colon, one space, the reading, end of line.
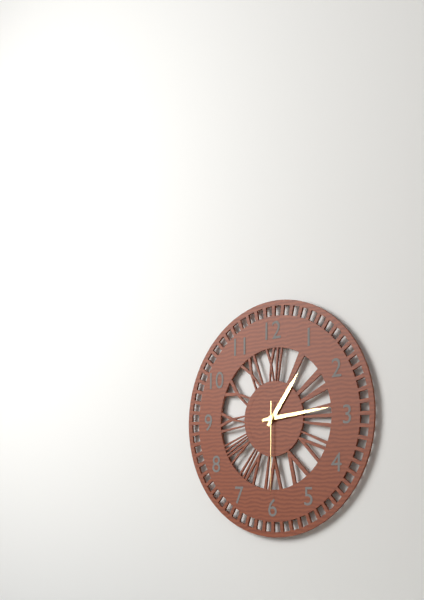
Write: 1:14:30
